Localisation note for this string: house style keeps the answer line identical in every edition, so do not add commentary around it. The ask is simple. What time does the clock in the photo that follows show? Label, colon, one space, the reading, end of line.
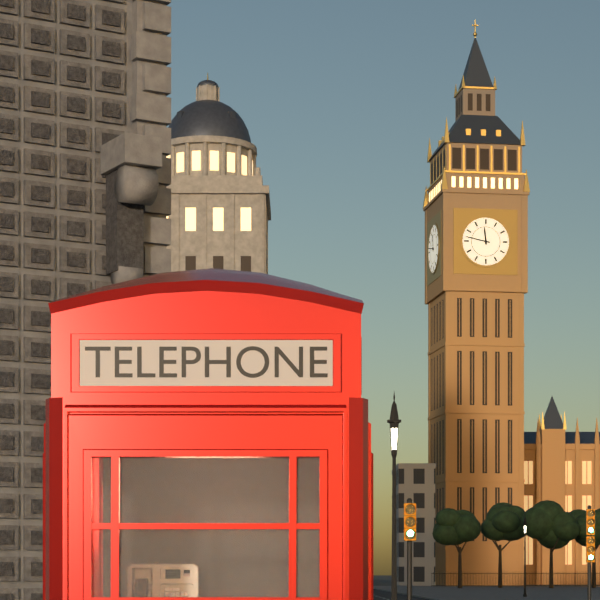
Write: 11:47
